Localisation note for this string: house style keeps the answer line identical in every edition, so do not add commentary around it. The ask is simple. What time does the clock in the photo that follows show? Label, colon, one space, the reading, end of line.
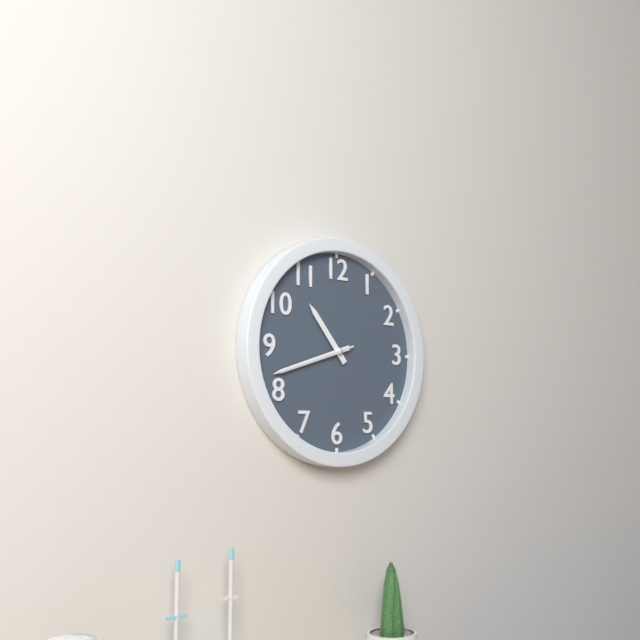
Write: 10:42:42
